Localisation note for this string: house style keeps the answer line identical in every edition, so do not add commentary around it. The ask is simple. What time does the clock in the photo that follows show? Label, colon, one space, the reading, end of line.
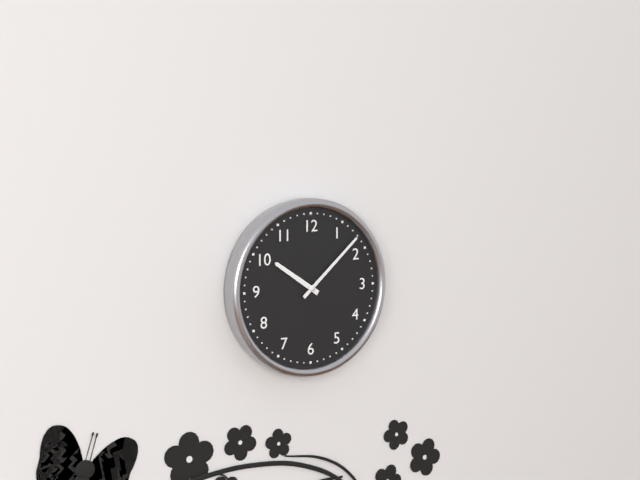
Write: 10:08
